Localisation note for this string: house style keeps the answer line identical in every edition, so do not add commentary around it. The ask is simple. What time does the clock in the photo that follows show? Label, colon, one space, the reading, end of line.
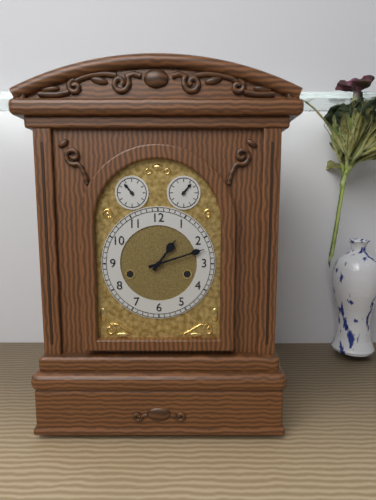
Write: 1:12
